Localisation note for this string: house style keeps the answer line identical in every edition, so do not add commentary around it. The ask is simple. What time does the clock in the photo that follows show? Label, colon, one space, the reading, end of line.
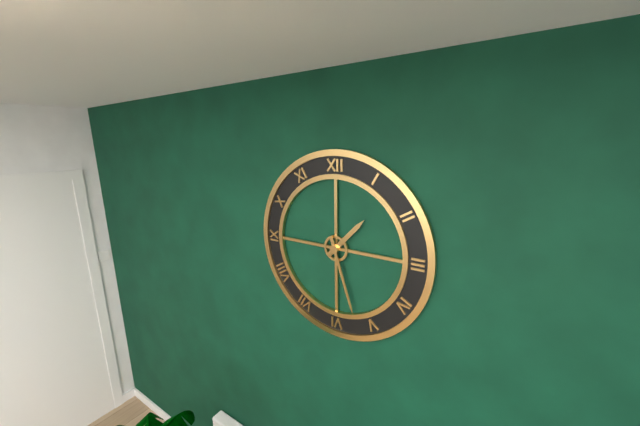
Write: 1:27
